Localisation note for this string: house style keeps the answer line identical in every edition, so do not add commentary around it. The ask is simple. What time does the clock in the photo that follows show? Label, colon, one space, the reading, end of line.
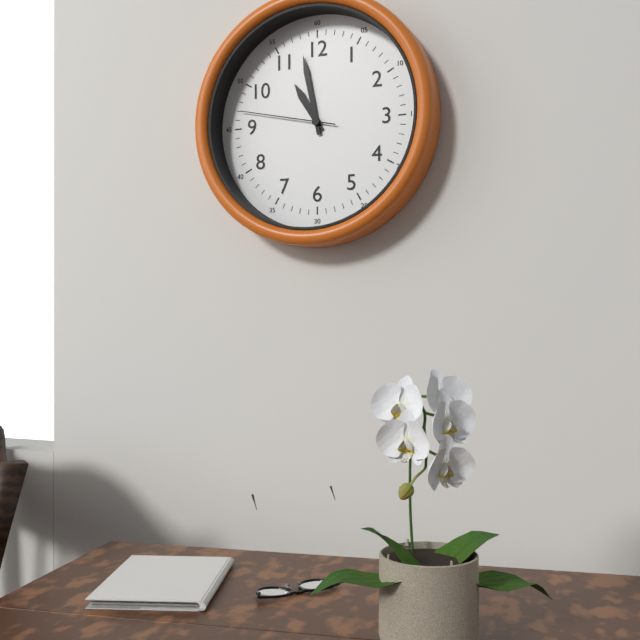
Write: 10:58:47
